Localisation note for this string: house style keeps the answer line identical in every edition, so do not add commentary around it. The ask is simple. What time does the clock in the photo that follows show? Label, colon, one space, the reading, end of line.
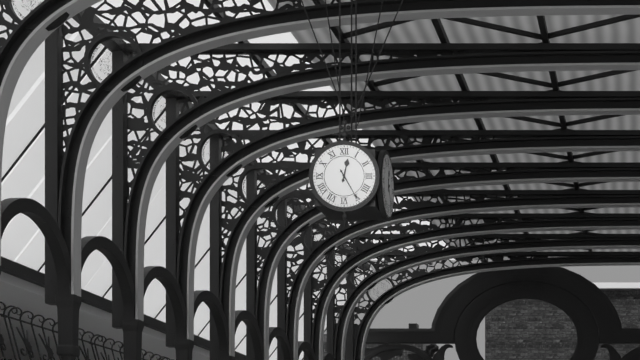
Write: 12:25
